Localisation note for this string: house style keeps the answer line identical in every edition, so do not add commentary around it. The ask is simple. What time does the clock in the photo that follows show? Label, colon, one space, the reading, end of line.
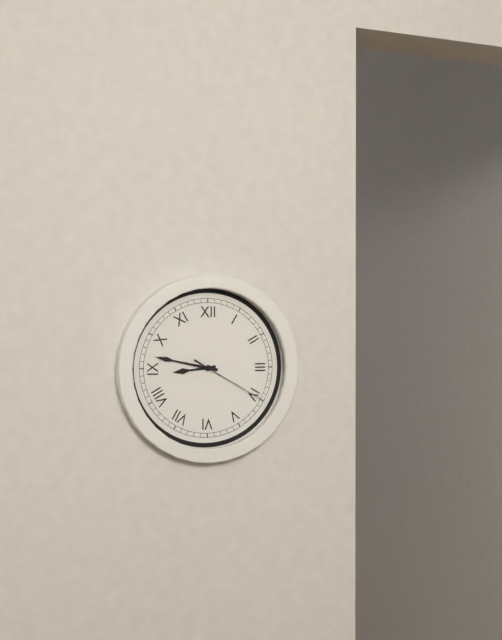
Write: 8:47:20
